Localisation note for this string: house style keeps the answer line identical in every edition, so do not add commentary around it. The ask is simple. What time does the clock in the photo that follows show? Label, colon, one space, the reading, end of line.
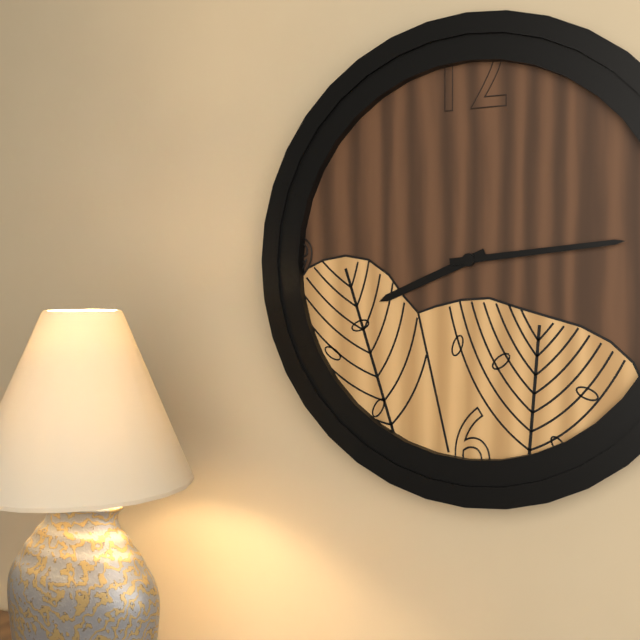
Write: 8:14
